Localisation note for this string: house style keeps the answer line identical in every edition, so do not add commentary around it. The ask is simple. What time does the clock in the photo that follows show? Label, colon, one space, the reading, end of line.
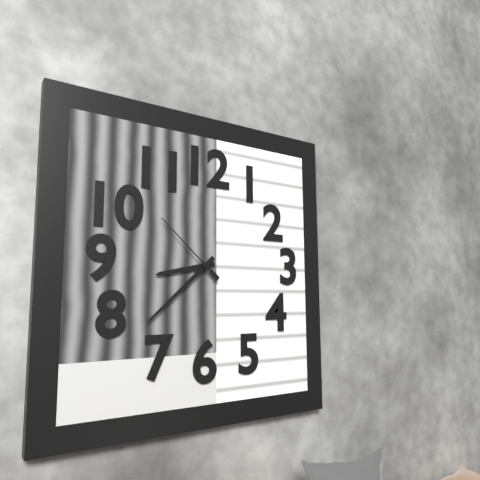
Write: 8:38:52
